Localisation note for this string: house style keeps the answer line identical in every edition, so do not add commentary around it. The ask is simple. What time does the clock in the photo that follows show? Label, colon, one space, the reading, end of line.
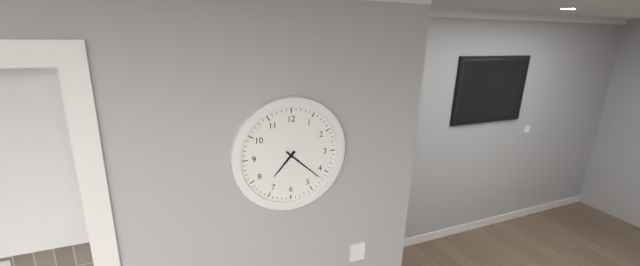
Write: 7:22
